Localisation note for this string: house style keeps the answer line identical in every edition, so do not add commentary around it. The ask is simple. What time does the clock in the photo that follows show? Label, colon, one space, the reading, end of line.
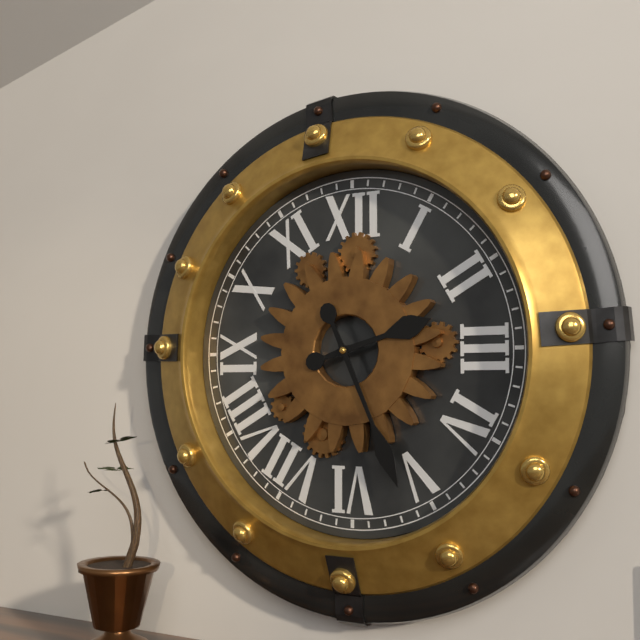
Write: 2:26
